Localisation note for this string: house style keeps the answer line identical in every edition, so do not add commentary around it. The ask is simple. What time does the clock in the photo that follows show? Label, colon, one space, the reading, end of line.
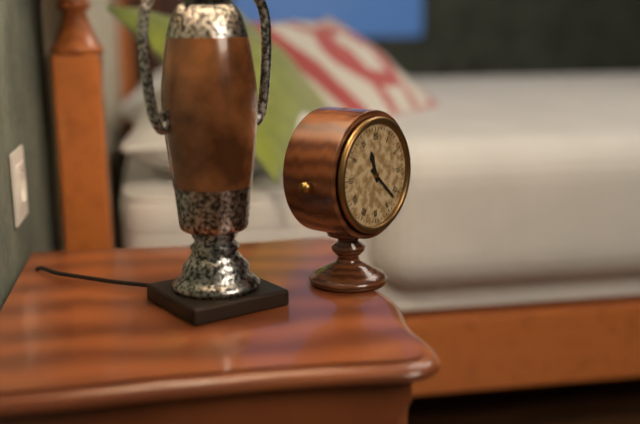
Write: 11:22
